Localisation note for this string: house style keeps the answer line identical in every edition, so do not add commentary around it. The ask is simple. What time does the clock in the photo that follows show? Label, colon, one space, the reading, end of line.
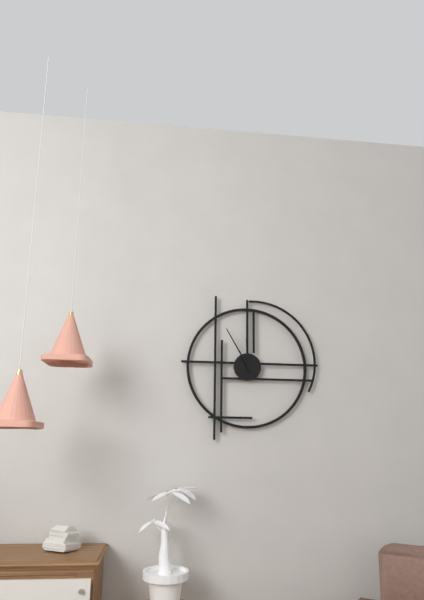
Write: 11:55
